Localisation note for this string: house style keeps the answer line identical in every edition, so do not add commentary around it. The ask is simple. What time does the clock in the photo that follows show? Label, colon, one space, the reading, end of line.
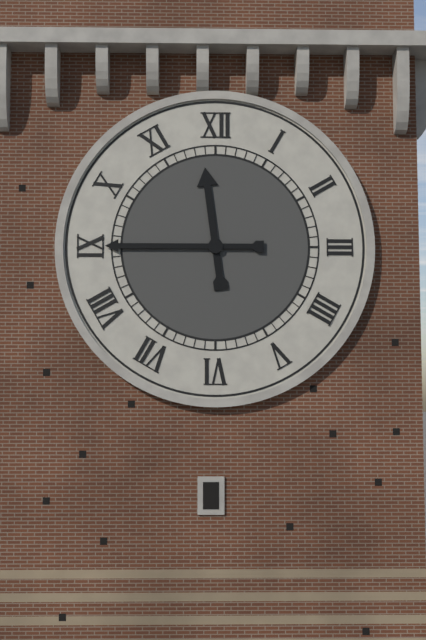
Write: 11:45
